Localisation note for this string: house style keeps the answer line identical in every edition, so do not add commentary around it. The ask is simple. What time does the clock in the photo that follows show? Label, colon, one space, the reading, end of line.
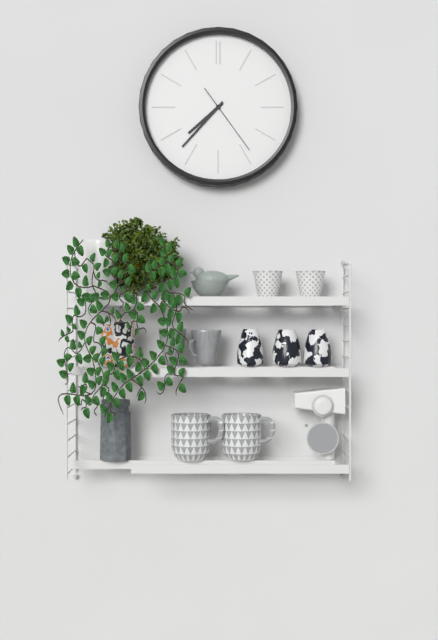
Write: 7:37:24
